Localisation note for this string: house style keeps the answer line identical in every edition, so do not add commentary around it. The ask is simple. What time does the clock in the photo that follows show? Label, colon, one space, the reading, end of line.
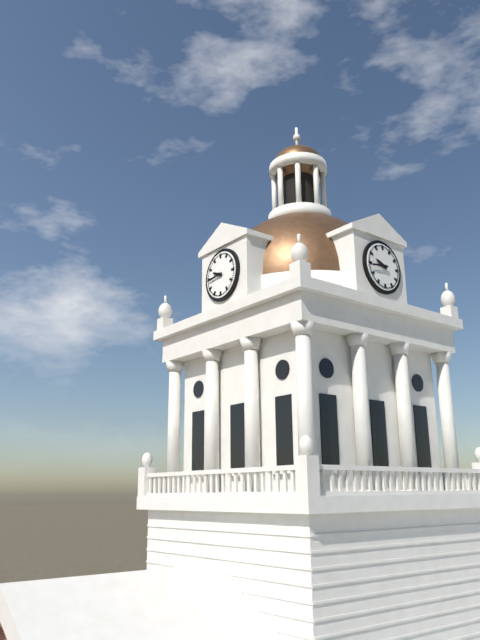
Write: 9:44
